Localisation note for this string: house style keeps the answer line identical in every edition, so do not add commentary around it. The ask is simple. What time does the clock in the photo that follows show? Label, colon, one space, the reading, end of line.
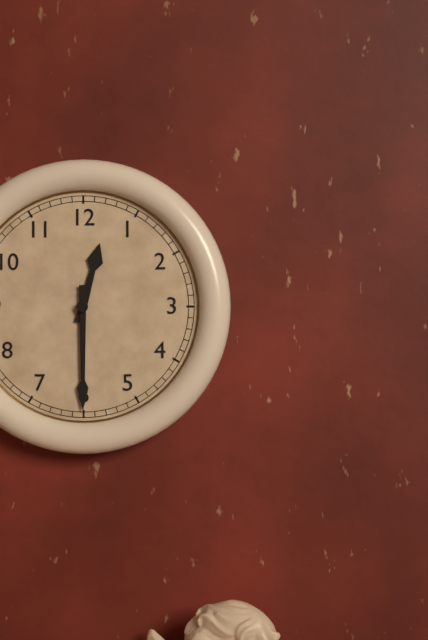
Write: 12:30
